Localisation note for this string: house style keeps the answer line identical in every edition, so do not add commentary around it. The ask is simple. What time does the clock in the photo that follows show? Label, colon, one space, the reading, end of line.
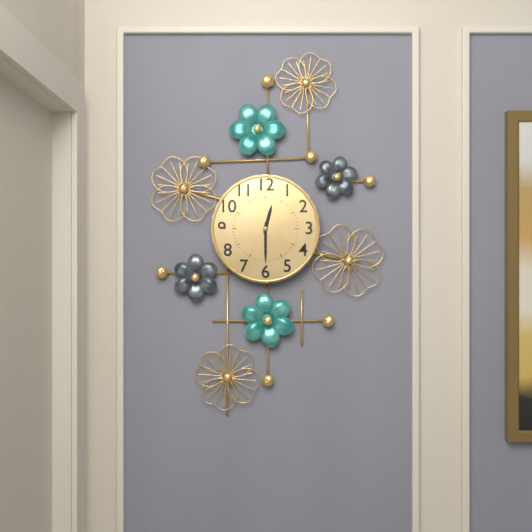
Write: 12:30
